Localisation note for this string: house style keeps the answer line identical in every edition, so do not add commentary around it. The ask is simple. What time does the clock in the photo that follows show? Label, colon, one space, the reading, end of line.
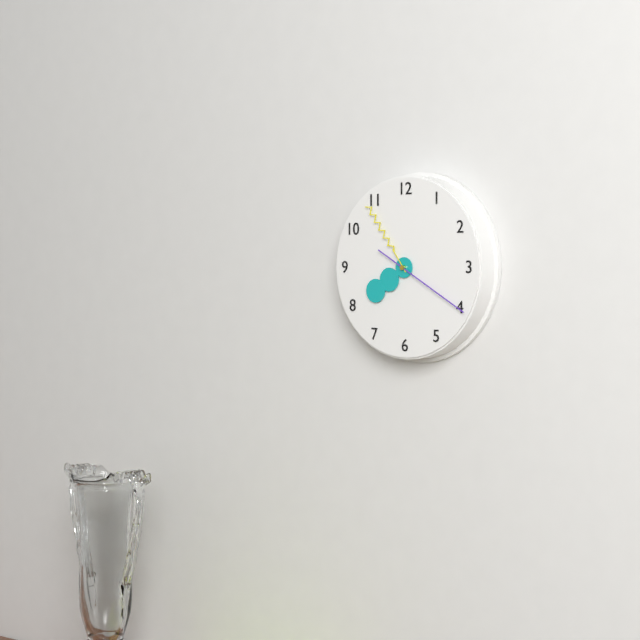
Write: 7:54:20
